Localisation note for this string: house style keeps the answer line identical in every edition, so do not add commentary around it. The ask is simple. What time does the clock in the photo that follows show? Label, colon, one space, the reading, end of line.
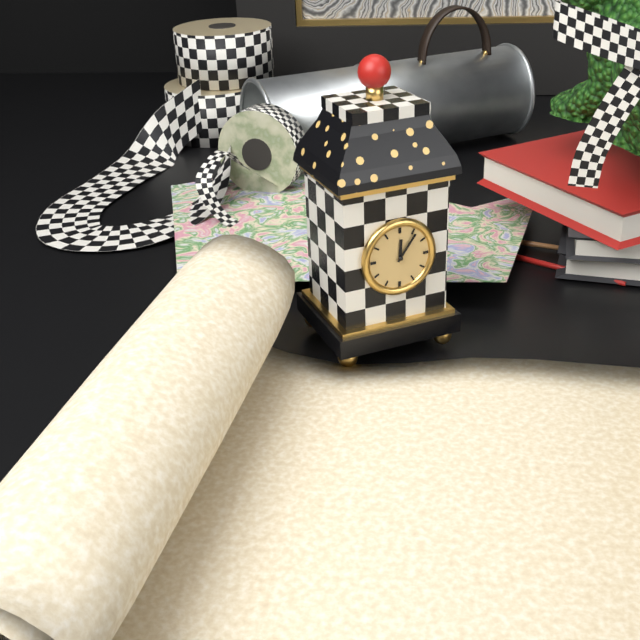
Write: 12:06
